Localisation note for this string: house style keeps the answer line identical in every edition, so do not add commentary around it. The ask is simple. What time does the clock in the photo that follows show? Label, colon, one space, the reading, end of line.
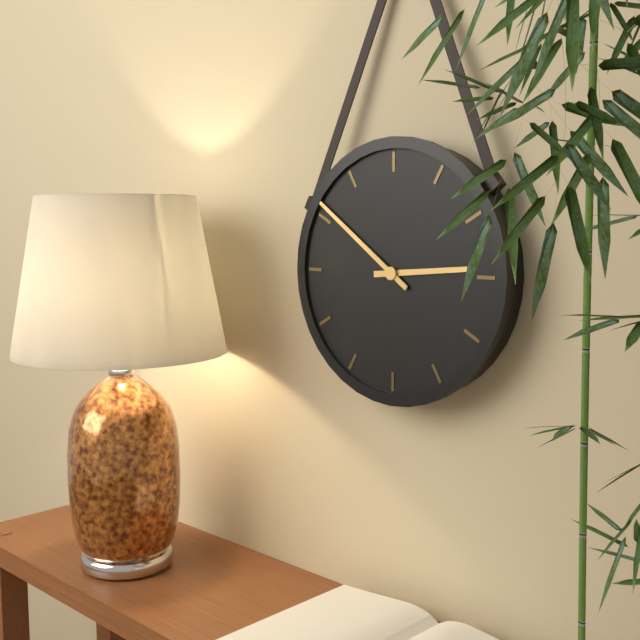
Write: 2:51
